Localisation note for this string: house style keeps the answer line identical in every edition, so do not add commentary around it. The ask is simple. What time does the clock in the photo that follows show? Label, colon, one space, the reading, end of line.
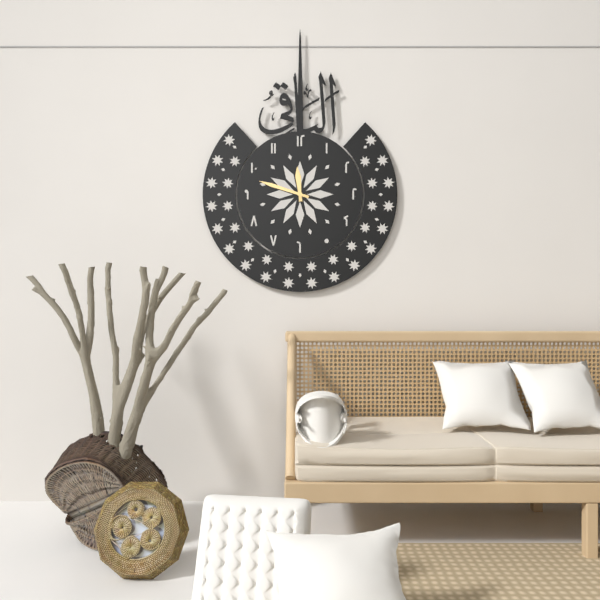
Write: 11:48
